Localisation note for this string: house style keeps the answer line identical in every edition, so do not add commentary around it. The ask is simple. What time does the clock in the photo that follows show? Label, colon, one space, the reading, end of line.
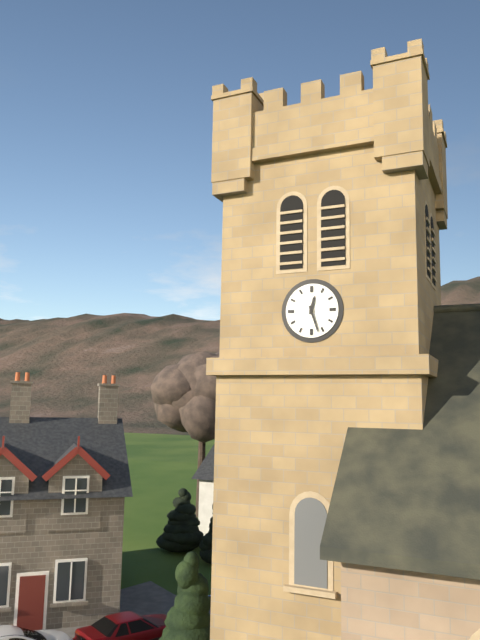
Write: 12:27
